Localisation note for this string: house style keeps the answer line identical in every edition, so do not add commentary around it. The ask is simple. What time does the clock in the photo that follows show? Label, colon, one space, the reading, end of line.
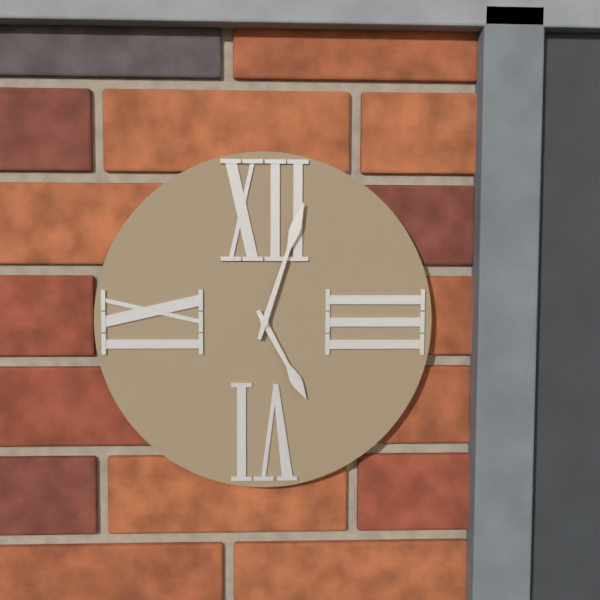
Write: 5:03
